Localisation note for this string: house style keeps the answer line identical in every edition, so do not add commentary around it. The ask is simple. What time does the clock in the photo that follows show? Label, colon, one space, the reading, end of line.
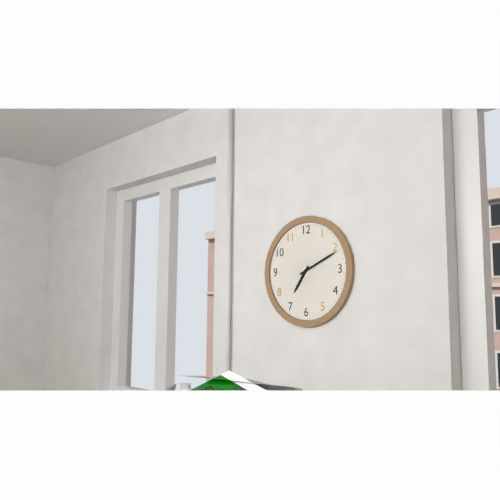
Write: 7:11
